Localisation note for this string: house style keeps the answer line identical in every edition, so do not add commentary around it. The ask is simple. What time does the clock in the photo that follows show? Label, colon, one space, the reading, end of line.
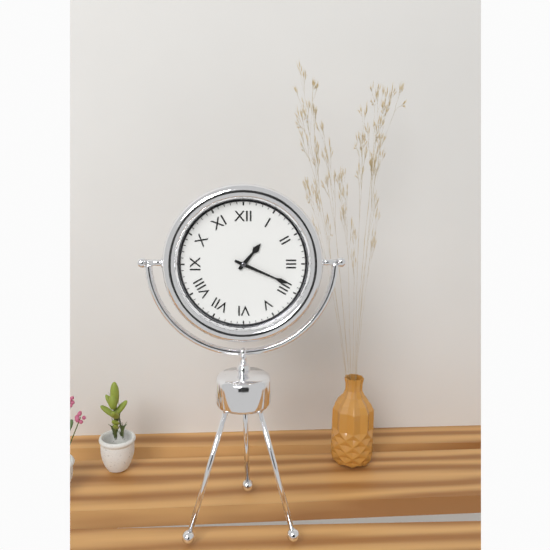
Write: 1:19
